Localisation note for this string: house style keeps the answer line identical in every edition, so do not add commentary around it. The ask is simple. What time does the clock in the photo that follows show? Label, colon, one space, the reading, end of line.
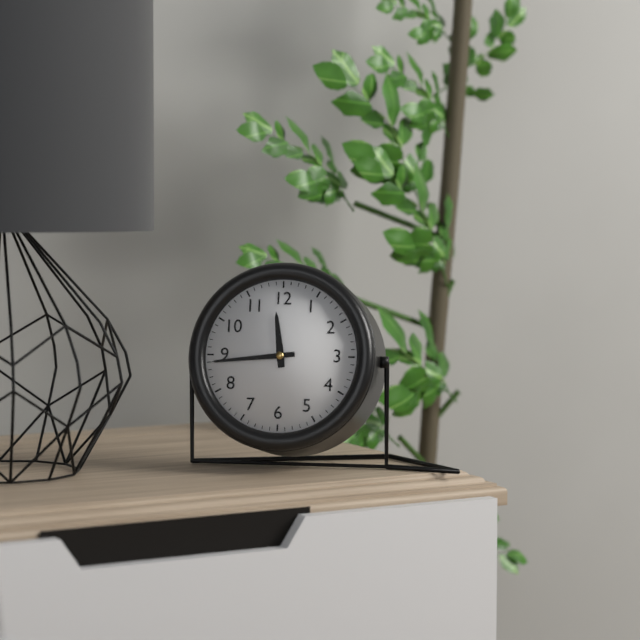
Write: 11:44
